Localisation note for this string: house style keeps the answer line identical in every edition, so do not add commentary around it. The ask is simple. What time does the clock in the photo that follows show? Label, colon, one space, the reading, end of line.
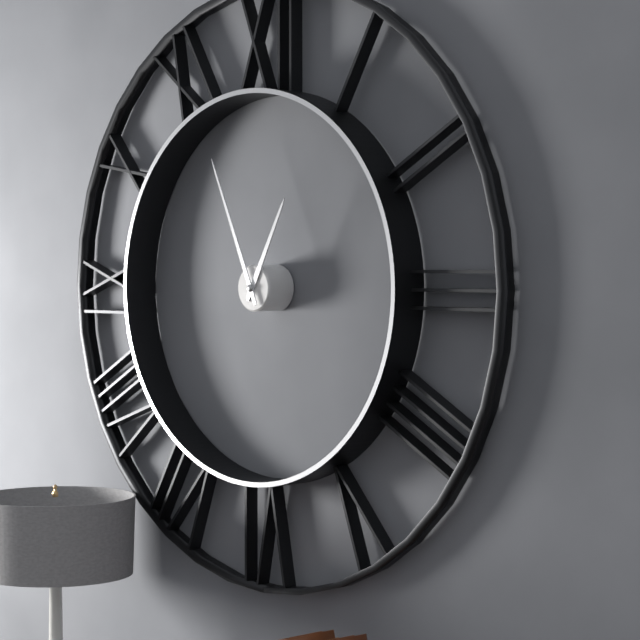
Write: 12:56
